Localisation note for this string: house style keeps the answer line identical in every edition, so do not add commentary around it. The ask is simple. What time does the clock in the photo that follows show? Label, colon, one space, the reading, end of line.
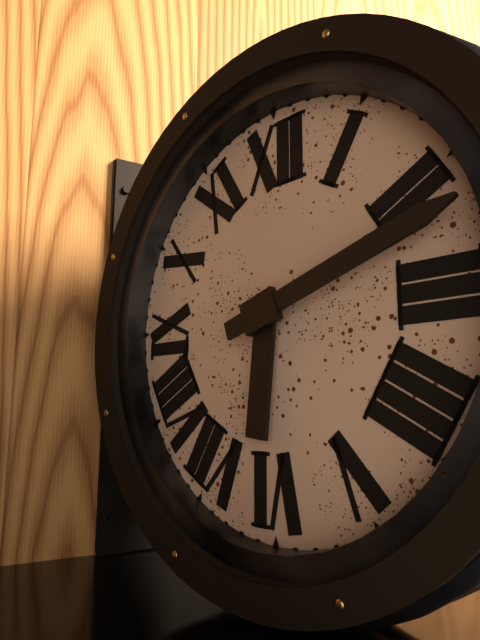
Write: 6:12
